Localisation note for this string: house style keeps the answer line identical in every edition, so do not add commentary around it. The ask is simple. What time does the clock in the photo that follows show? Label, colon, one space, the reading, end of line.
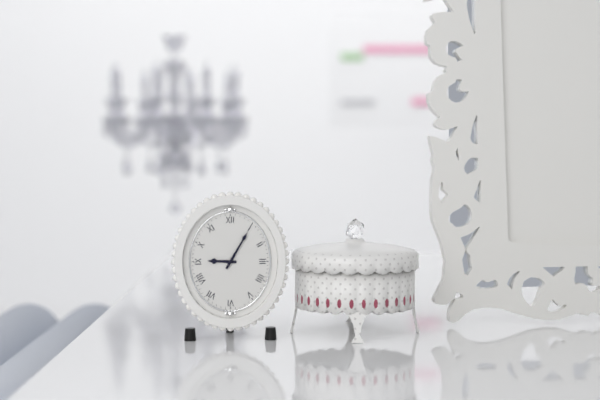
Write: 9:05
